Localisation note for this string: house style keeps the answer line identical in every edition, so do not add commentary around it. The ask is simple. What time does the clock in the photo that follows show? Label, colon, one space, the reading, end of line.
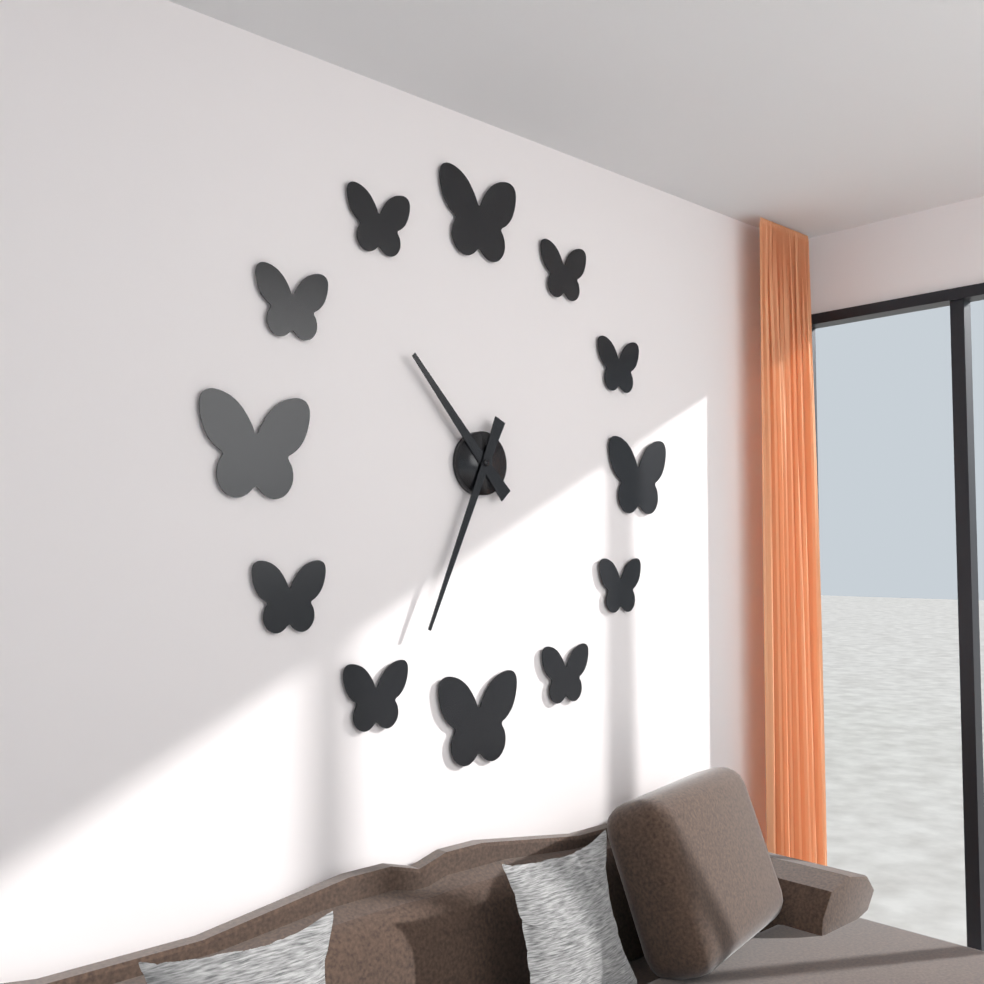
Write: 10:34
